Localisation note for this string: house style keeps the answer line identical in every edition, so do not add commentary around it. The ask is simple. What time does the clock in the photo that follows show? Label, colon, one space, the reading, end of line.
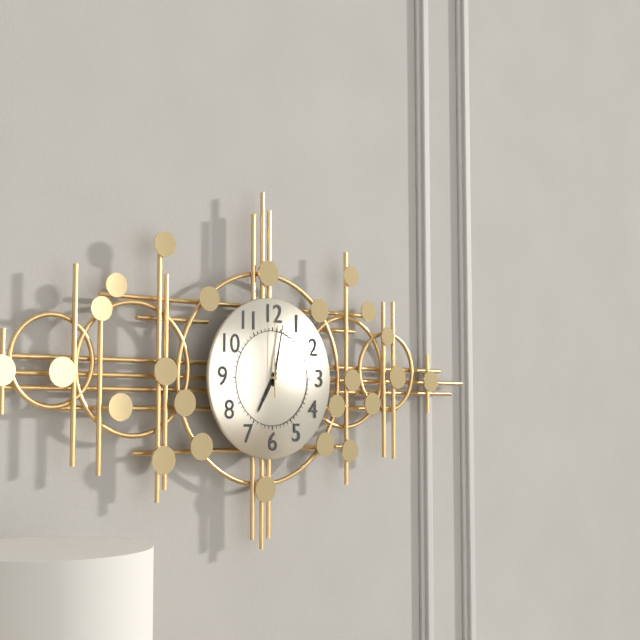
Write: 7:02:00
